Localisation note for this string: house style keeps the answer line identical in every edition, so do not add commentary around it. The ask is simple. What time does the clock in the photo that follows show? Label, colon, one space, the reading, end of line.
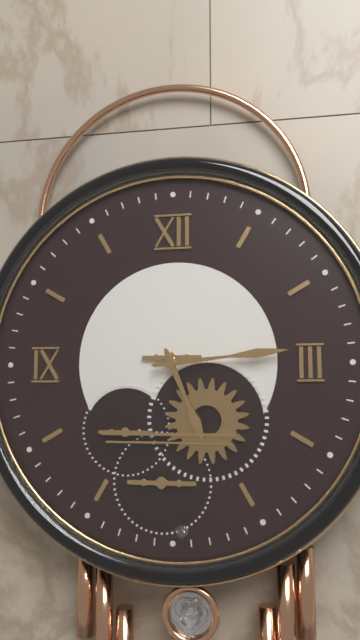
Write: 5:14
